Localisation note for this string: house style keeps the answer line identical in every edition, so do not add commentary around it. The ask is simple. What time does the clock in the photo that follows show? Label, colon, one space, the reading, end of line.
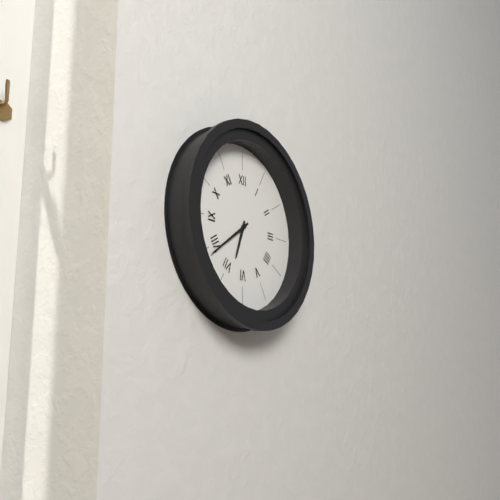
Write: 6:39
